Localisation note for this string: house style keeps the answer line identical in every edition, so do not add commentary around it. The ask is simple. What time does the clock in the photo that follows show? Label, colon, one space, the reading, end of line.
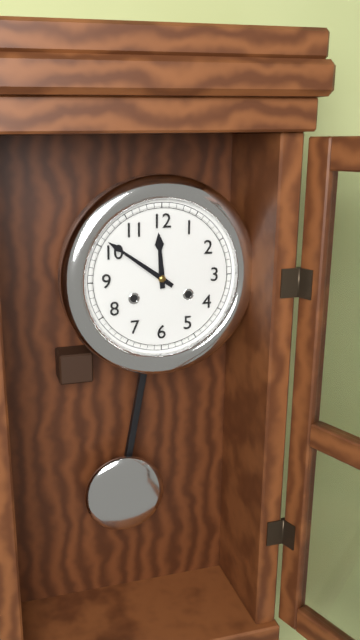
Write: 11:51
